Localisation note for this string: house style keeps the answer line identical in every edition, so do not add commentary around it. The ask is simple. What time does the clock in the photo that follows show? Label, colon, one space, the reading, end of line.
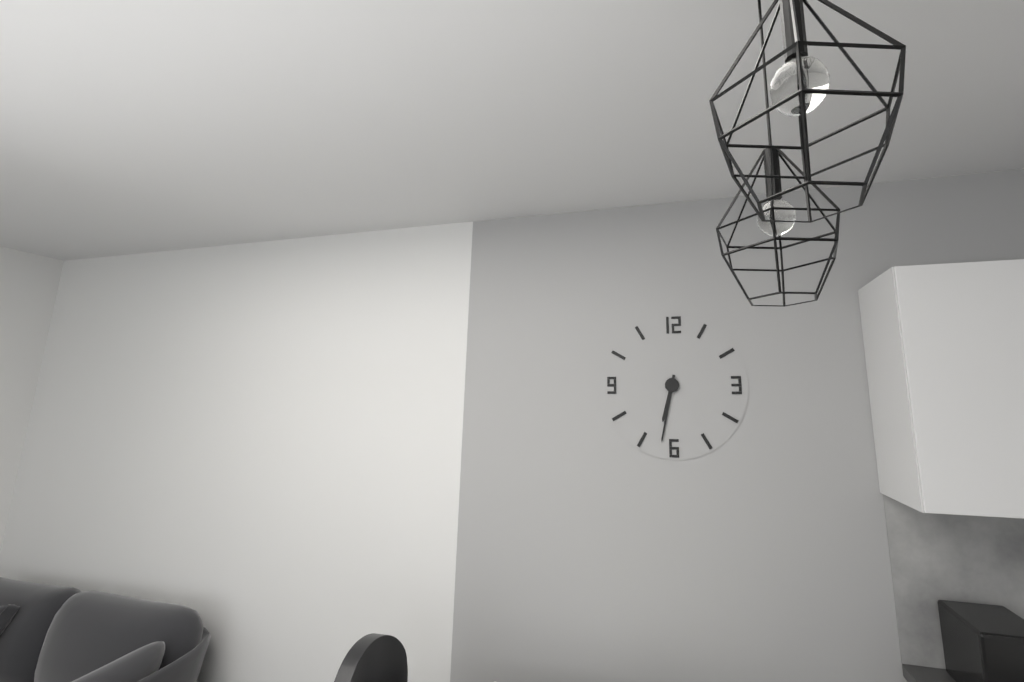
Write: 6:32
